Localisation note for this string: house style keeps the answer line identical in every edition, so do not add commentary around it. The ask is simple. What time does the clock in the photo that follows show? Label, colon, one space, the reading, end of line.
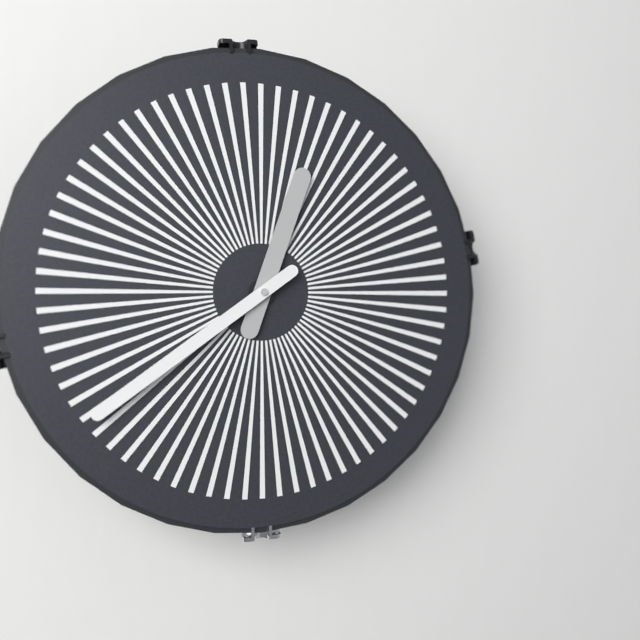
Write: 12:39
